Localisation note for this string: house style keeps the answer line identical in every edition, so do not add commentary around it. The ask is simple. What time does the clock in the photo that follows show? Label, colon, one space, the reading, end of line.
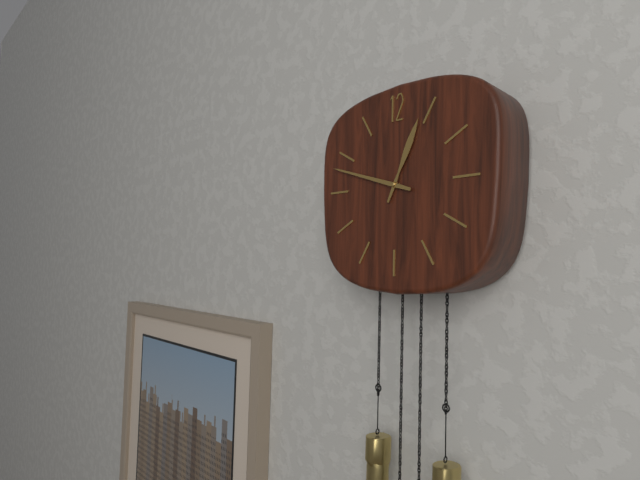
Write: 12:48
